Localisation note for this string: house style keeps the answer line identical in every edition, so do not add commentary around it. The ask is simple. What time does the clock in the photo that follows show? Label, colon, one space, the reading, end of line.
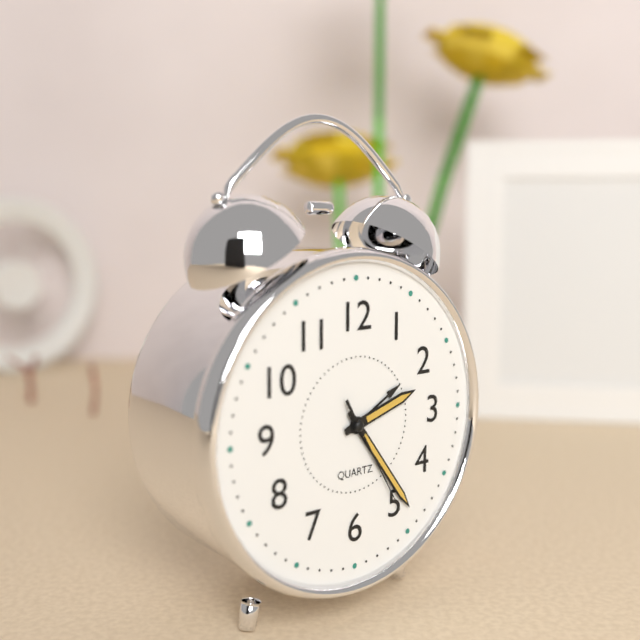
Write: 2:24:25
